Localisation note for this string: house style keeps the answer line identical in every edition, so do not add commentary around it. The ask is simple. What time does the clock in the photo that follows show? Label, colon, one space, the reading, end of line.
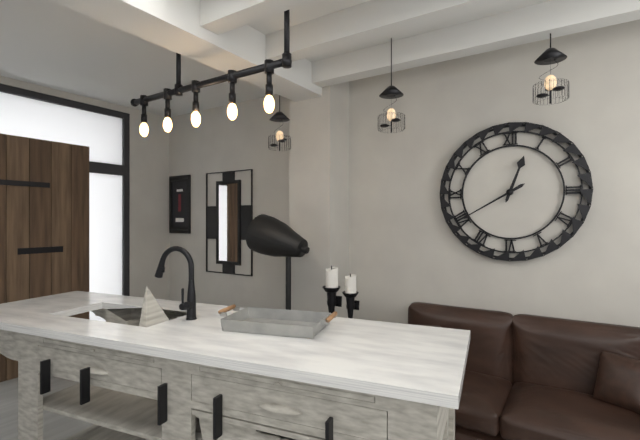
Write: 12:40
